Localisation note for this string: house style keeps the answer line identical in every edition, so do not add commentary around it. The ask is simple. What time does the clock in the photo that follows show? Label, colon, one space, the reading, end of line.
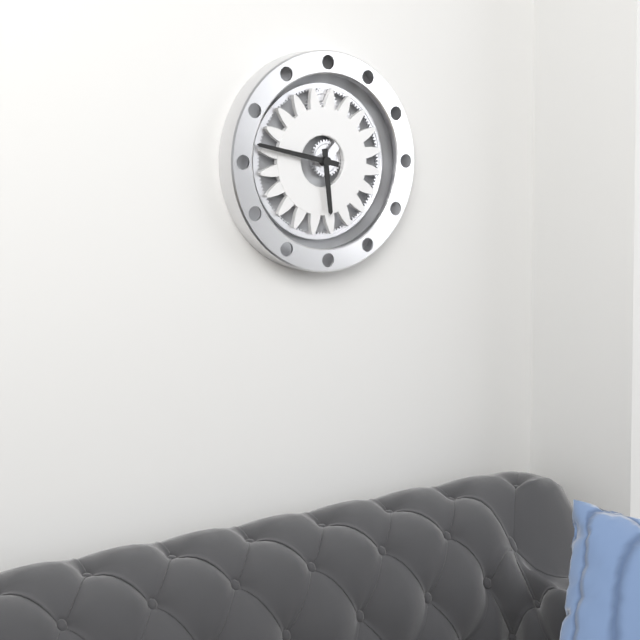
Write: 5:47
